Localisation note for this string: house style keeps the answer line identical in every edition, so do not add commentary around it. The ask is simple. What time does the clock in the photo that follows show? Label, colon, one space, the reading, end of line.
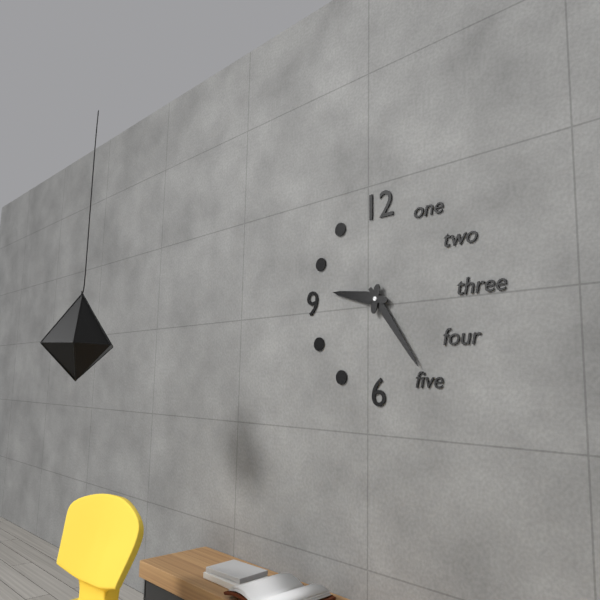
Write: 9:24
